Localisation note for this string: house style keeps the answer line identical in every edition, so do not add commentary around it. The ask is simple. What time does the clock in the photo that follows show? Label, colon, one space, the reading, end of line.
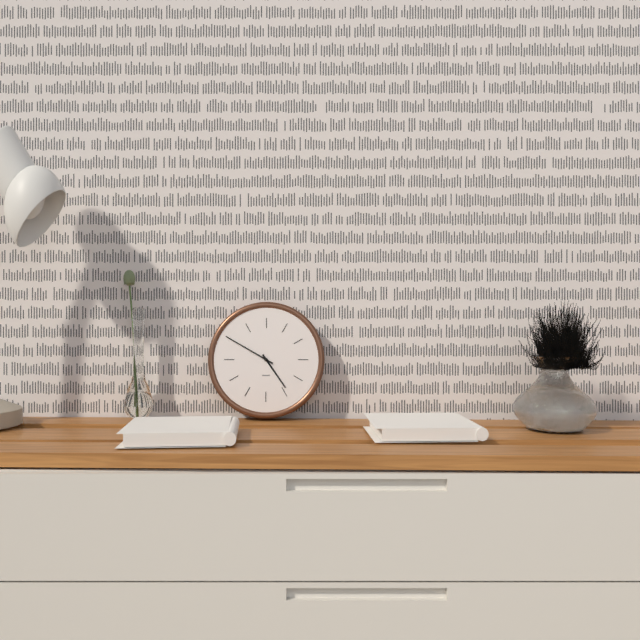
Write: 4:50
